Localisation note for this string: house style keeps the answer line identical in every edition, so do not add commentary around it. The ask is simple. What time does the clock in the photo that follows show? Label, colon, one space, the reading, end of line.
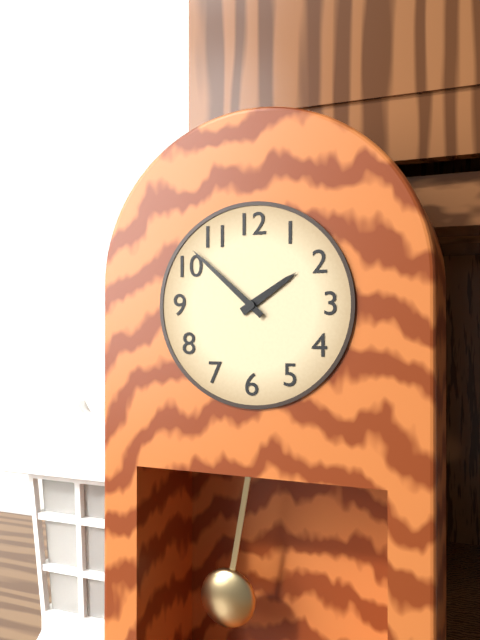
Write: 1:52
